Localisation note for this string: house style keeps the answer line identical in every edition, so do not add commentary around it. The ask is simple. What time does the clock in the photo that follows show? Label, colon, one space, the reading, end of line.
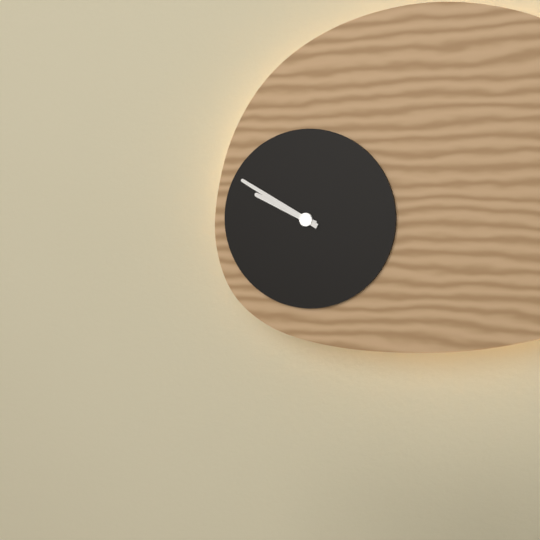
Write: 9:50
